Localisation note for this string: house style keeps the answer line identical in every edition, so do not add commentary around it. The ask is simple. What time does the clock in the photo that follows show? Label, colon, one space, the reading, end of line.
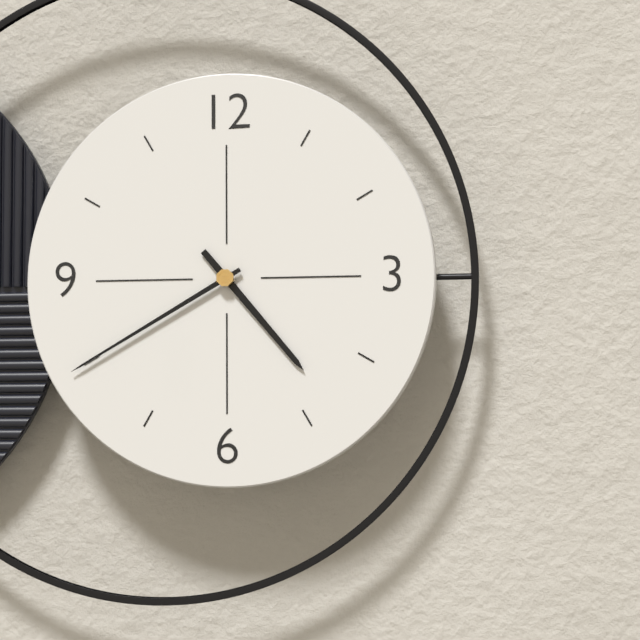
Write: 4:40
